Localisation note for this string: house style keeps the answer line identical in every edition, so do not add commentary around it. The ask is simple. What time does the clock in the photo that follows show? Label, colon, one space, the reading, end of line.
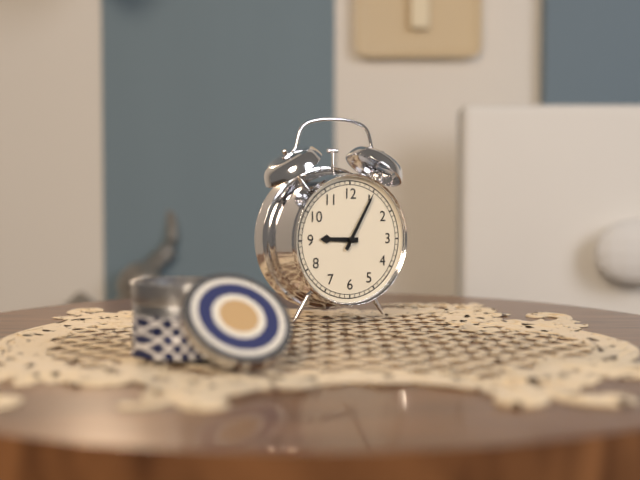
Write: 9:05
